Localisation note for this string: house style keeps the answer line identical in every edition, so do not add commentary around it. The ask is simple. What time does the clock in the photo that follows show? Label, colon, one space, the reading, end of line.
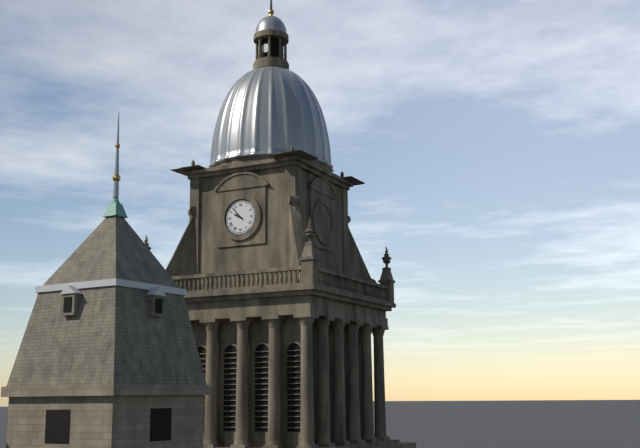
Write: 9:53
